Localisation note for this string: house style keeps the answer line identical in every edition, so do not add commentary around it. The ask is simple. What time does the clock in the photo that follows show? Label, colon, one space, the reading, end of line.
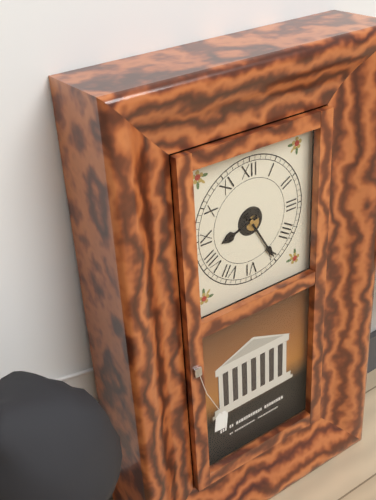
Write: 8:25
